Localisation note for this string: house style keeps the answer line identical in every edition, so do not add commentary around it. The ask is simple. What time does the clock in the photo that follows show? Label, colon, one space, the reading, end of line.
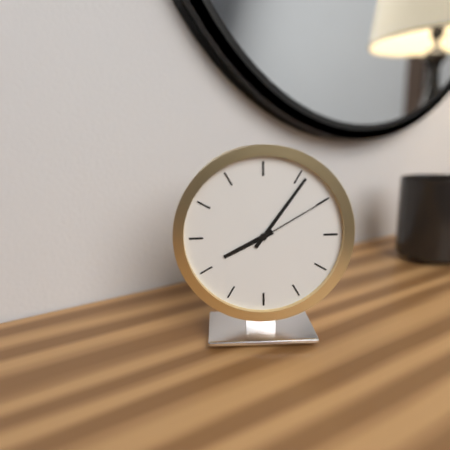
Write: 8:06:10
